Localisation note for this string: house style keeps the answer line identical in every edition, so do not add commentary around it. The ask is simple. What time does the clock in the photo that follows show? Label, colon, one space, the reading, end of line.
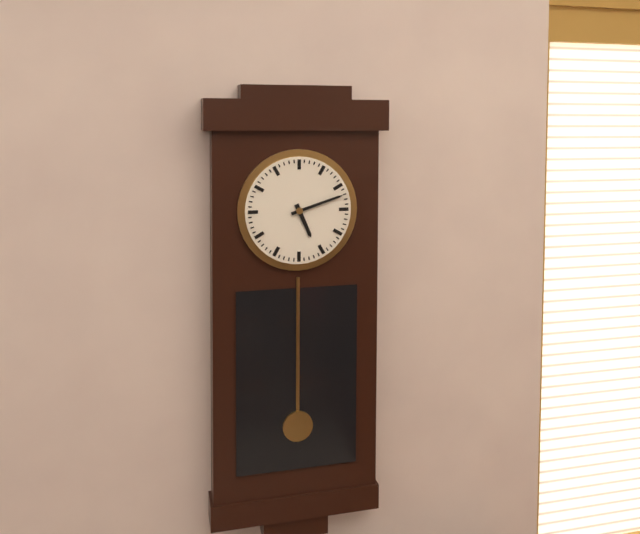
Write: 5:12
